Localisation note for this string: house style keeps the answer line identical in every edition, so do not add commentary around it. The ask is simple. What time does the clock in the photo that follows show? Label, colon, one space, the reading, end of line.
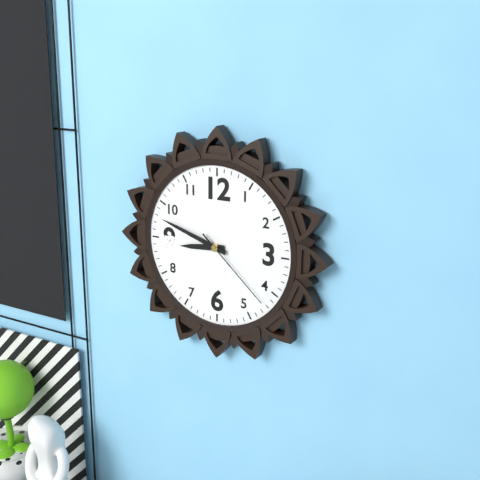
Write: 8:48:22
